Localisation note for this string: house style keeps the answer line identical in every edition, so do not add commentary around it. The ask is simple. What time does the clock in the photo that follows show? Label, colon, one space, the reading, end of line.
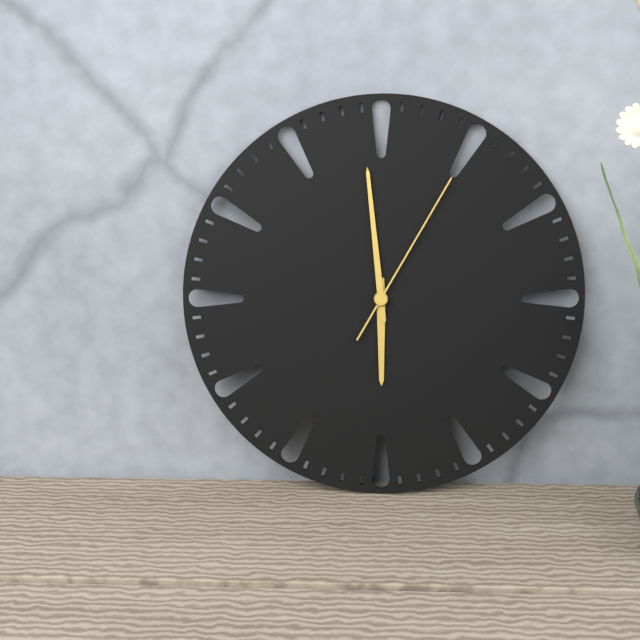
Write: 5:59:05
